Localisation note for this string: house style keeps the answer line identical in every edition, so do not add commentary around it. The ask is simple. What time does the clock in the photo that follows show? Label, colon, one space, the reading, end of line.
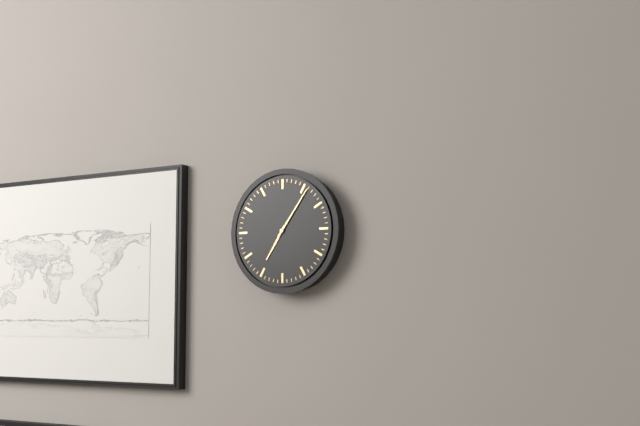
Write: 7:06
